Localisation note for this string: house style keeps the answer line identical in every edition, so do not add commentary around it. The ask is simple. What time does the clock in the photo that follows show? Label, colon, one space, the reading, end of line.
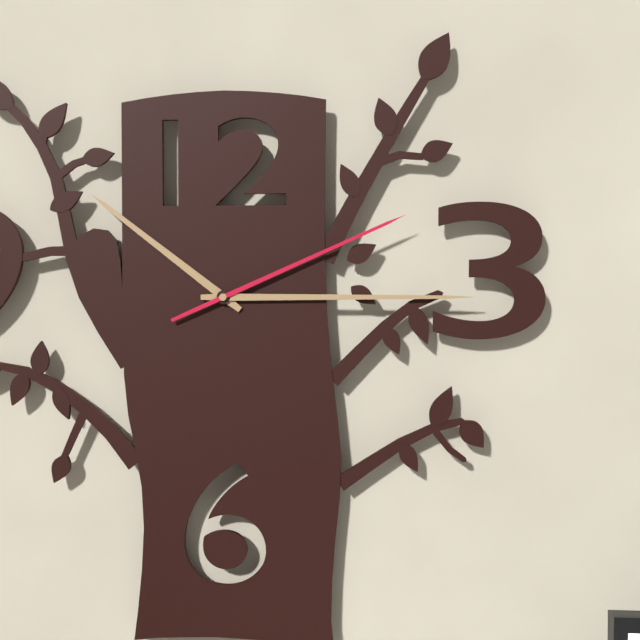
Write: 10:15:11
